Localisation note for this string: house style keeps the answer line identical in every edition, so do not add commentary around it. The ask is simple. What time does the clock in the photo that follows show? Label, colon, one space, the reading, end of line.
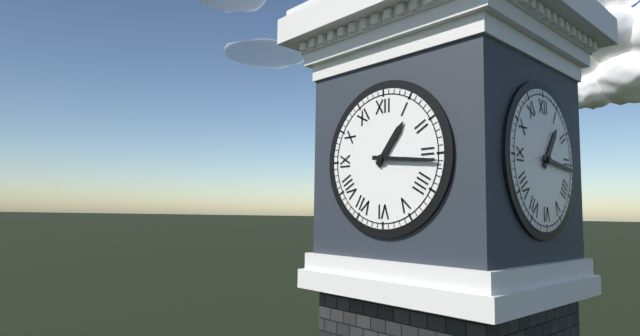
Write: 1:16
